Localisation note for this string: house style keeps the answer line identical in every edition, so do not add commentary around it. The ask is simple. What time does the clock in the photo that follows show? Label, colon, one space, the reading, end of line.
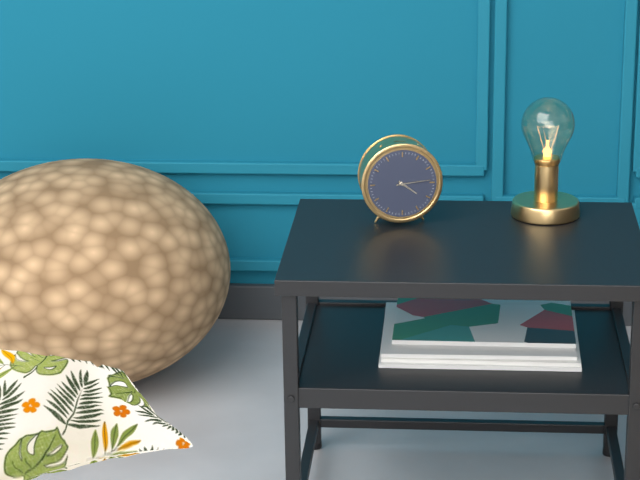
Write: 4:14
